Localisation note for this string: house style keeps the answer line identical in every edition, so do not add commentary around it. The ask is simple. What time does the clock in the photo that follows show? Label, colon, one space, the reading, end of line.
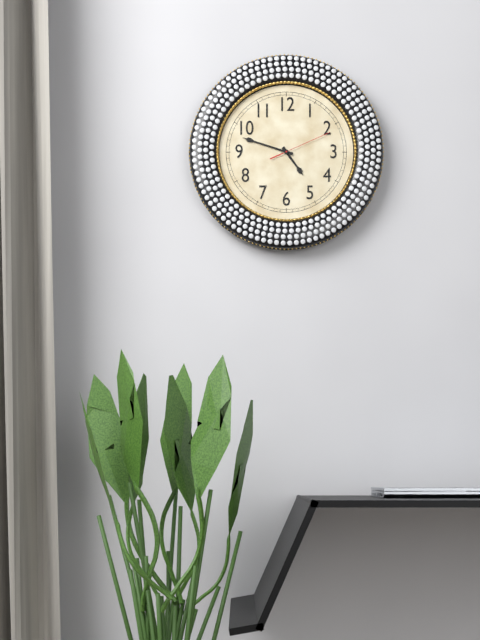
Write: 4:48:11
